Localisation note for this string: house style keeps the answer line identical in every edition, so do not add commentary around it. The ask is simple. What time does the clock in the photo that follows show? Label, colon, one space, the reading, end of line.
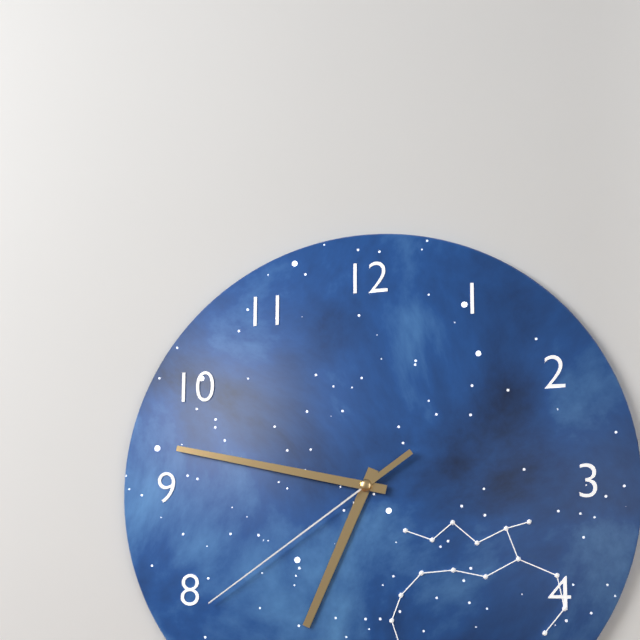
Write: 6:47:39
